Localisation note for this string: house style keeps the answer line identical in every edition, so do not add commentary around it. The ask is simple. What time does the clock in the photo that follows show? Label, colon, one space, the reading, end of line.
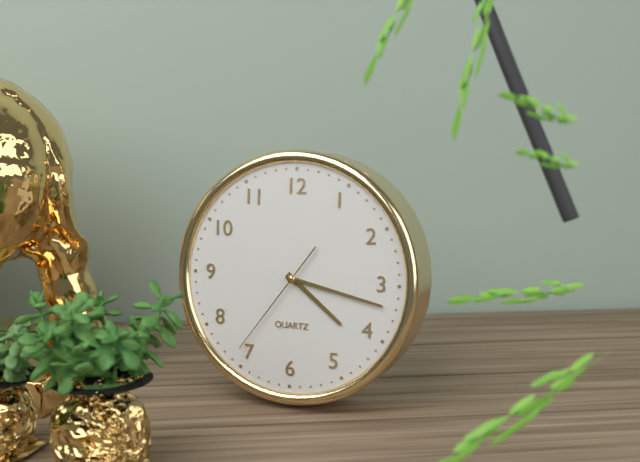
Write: 4:17:36
